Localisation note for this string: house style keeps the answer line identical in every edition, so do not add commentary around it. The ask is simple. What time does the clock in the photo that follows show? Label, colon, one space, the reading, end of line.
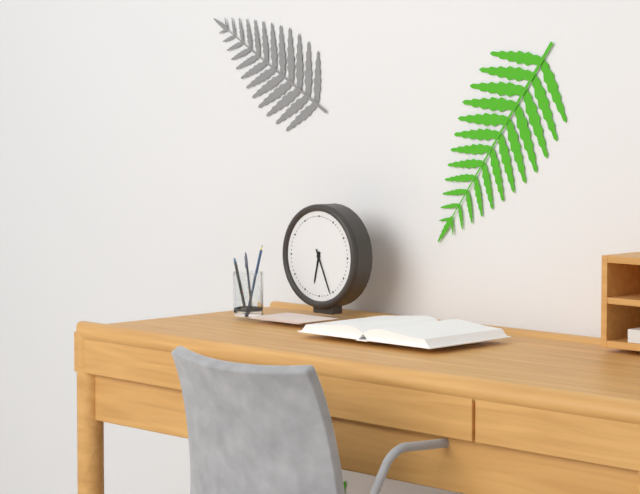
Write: 6:26
